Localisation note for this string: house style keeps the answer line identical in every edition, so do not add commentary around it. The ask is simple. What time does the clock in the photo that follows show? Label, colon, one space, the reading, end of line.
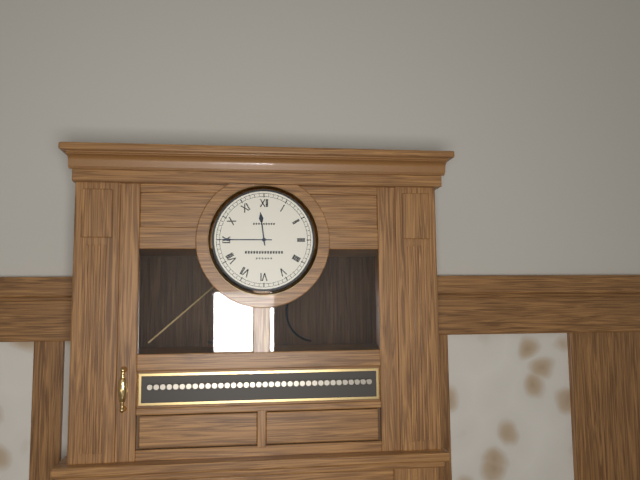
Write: 11:45
